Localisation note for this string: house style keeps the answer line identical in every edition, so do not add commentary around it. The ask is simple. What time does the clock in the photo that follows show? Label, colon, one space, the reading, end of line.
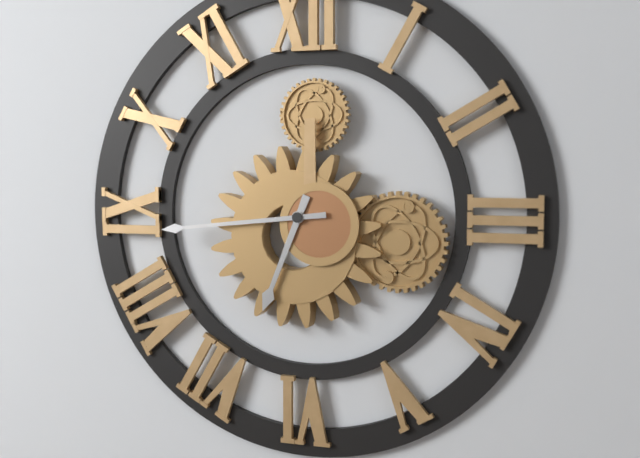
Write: 6:44
